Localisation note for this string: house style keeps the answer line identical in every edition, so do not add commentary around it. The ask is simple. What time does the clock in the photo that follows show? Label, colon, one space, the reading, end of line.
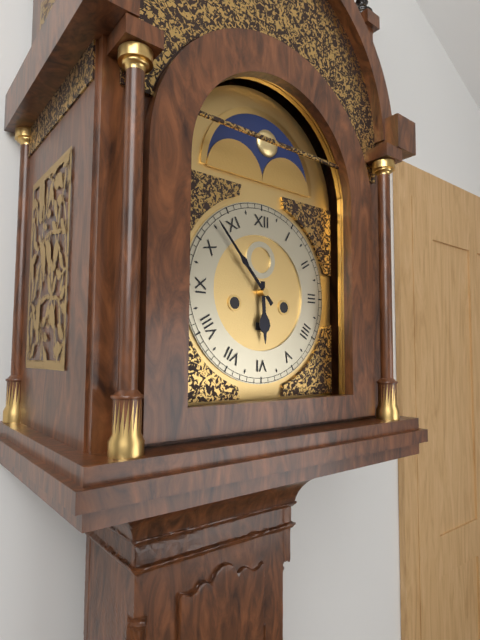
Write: 5:53
